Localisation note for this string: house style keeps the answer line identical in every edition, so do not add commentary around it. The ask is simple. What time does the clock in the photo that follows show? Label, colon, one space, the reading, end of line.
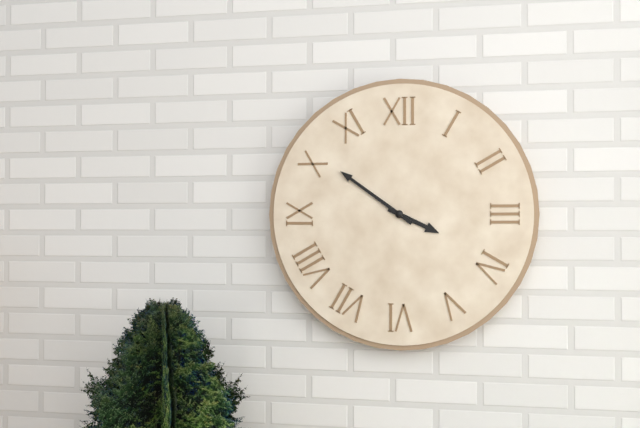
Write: 3:51
